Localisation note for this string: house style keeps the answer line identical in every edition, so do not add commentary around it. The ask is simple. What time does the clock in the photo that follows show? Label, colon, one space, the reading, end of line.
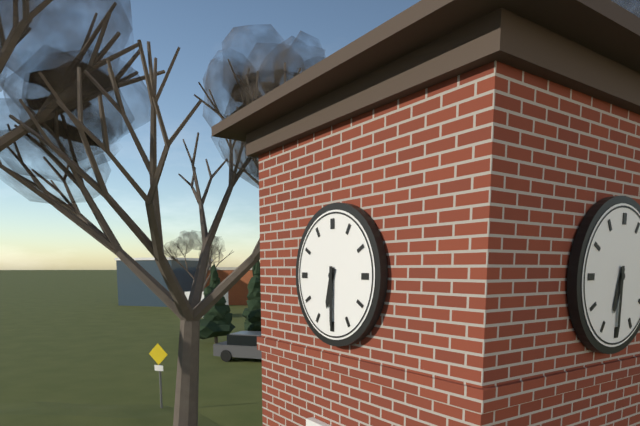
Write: 6:30
